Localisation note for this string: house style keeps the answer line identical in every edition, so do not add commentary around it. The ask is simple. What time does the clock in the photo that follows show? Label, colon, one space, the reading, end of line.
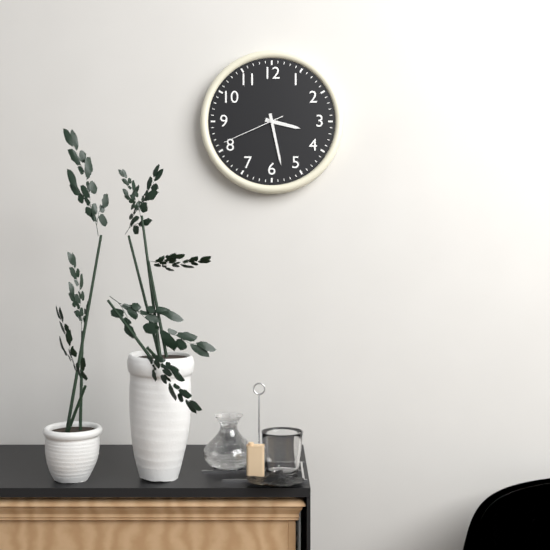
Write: 3:28:41
